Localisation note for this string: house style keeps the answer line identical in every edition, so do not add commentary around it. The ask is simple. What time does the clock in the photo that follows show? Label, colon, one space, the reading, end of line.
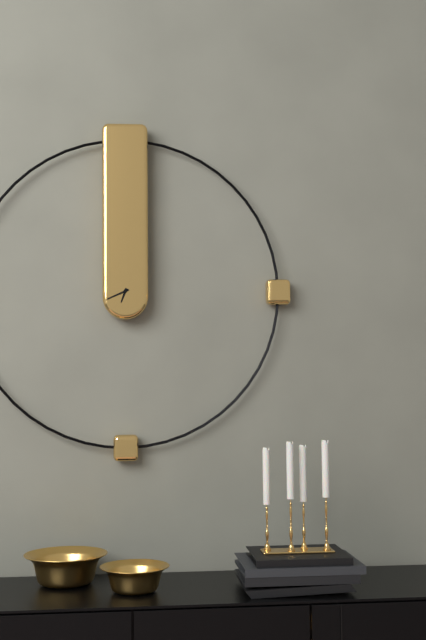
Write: 6:41
